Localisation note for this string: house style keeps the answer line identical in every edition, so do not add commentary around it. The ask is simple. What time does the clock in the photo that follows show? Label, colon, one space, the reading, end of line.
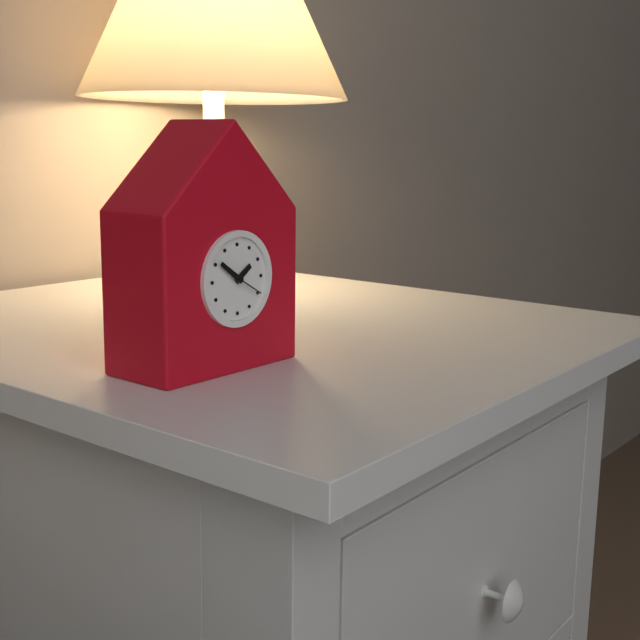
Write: 1:51
